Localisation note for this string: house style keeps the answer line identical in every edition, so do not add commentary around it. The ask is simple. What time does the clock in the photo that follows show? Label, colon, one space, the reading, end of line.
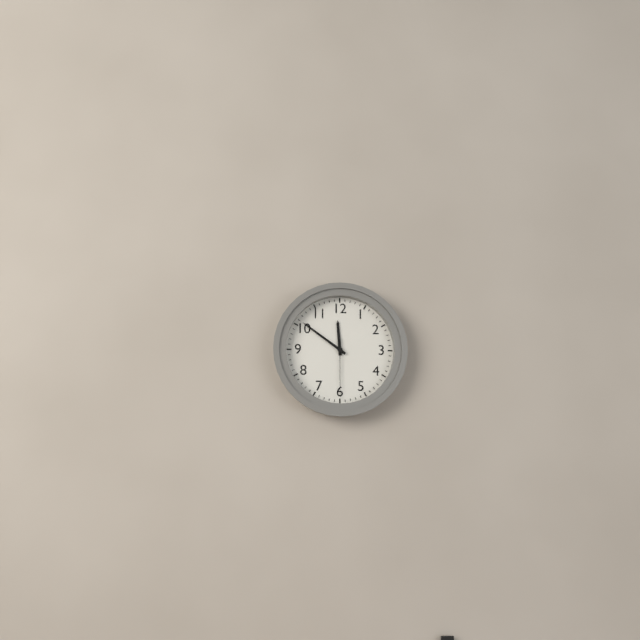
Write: 11:51:30
